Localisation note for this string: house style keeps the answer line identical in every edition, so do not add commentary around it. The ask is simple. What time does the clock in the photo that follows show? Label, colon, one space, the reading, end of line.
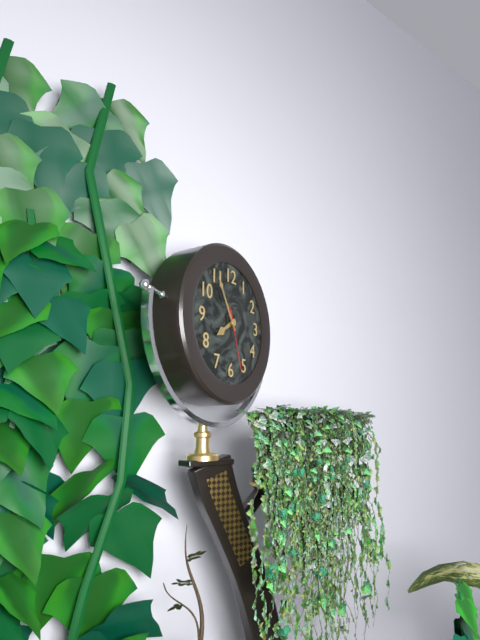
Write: 7:55:27
